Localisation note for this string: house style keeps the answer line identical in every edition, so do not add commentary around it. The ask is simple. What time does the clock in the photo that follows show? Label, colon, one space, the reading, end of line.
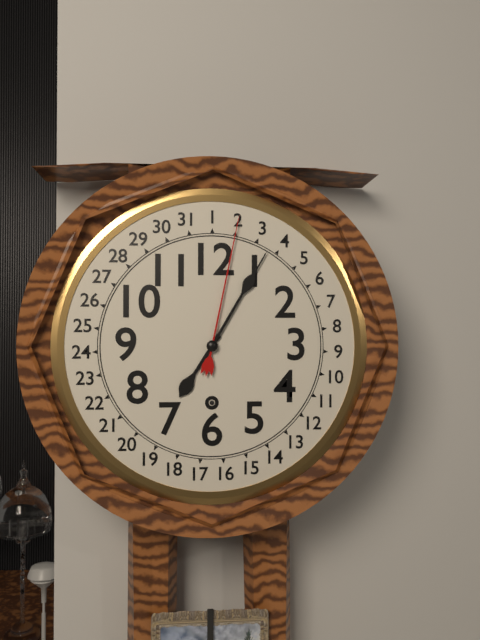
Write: 7:05
